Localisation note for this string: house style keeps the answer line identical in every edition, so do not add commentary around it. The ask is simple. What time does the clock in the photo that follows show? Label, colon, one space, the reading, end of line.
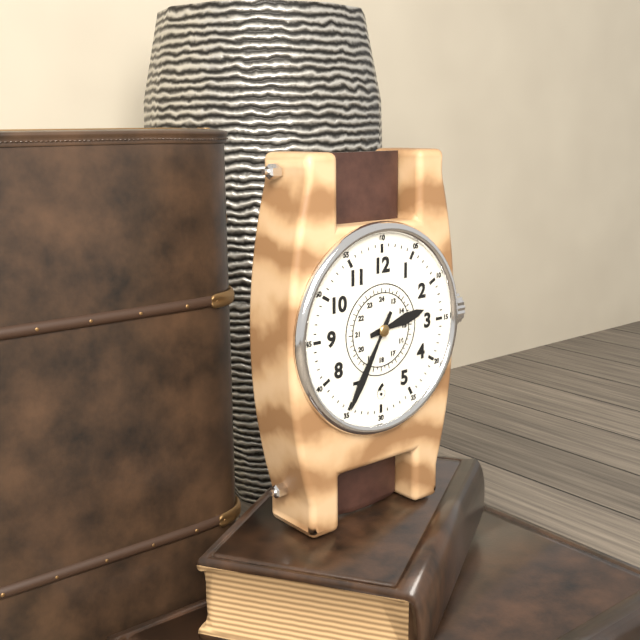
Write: 2:35
